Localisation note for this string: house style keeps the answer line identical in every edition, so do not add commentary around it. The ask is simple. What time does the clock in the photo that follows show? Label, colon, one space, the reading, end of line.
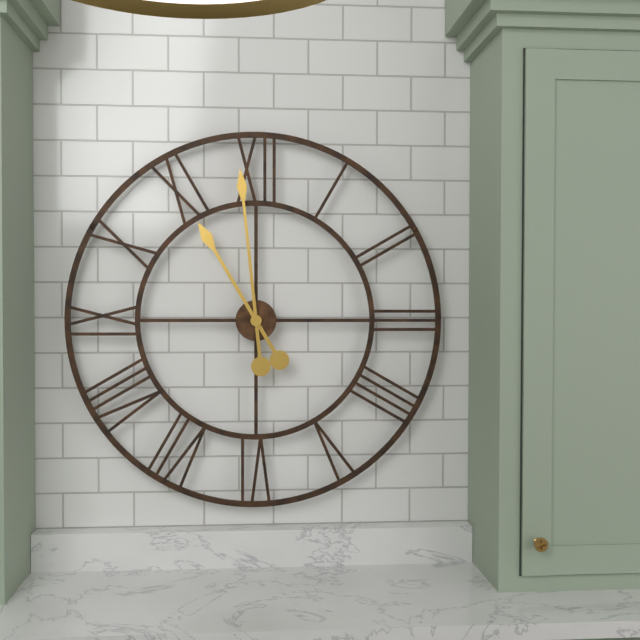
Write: 10:59
